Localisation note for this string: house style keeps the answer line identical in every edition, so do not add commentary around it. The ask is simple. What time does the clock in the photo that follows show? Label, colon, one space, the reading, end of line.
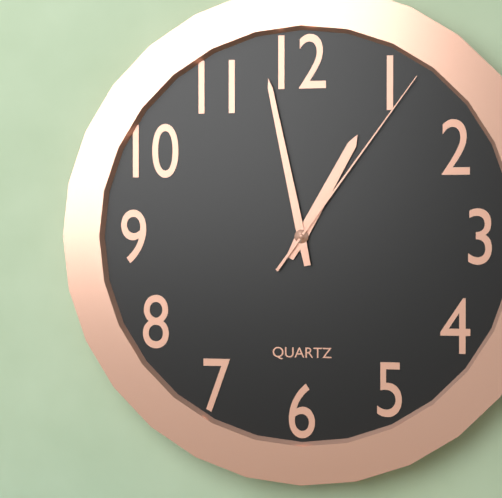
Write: 12:58:06
